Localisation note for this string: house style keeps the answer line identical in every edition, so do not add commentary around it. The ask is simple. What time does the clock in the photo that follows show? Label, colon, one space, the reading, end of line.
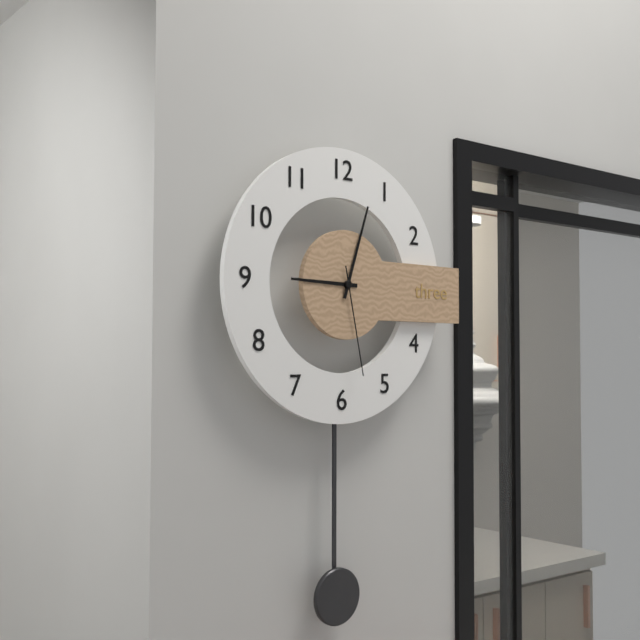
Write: 9:03:28
